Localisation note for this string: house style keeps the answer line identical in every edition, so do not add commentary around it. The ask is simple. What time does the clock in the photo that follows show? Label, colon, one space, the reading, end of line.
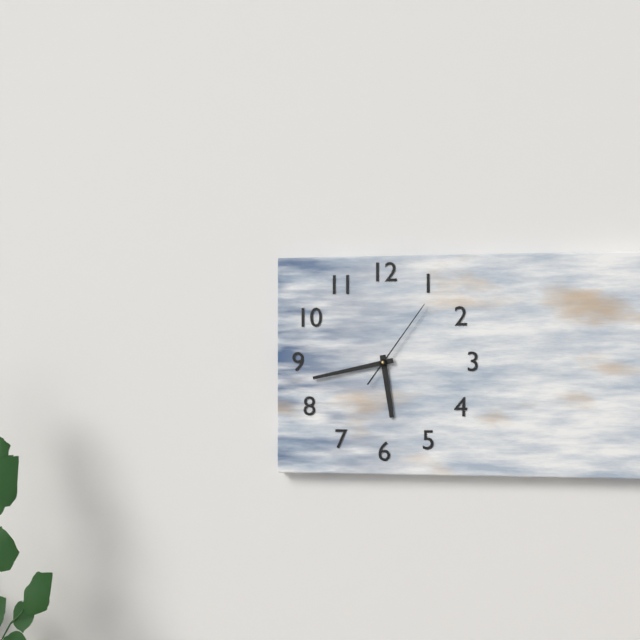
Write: 5:43:06
